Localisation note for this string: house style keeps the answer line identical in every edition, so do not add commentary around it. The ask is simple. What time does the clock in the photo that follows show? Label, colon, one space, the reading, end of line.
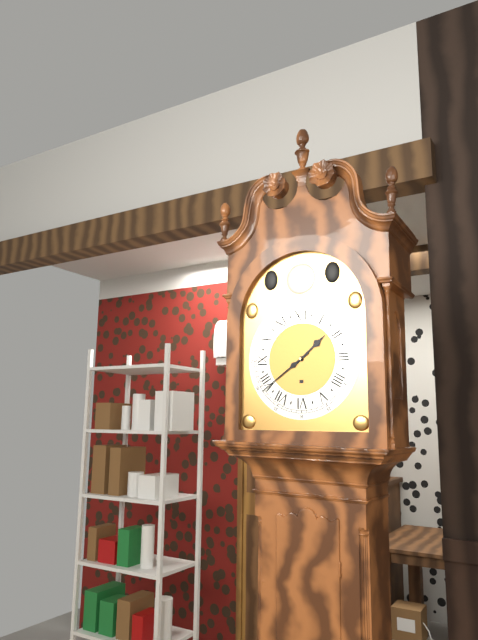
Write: 1:39
